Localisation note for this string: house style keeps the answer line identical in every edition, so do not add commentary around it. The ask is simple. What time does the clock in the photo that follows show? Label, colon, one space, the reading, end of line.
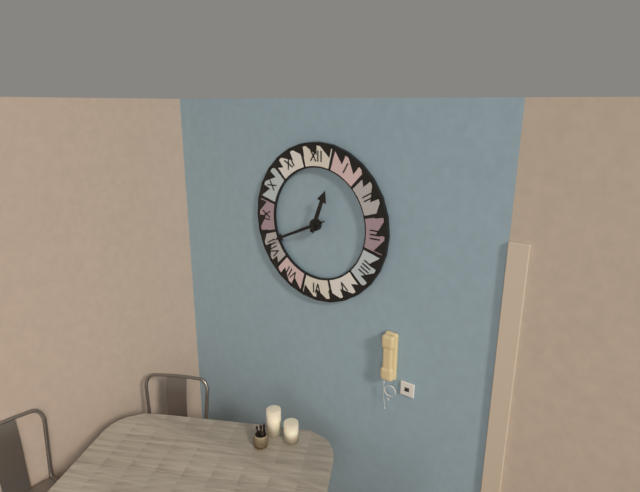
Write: 12:41:41
